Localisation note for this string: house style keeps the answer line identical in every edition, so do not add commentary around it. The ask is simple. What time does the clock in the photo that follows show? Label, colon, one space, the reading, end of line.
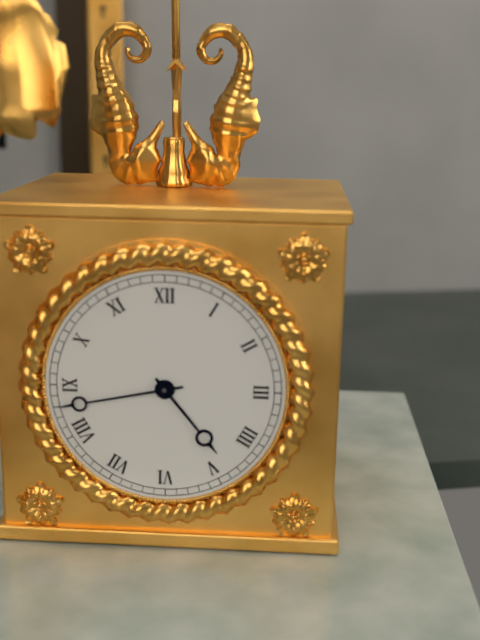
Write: 4:43
